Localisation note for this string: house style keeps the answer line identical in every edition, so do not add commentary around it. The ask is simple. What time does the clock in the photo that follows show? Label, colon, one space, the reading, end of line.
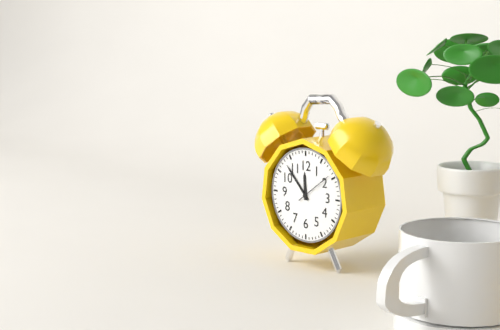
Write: 11:53
